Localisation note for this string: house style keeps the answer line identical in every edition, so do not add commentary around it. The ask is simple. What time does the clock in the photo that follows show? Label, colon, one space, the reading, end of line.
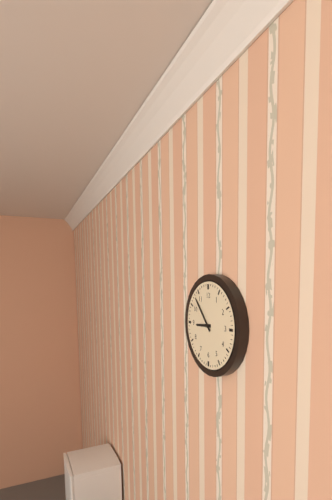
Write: 8:53
